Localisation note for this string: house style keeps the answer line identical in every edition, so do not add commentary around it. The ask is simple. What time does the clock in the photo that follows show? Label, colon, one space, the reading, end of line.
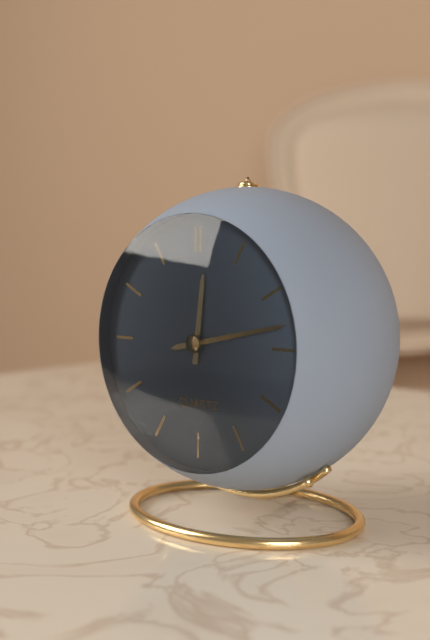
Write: 12:13:13
